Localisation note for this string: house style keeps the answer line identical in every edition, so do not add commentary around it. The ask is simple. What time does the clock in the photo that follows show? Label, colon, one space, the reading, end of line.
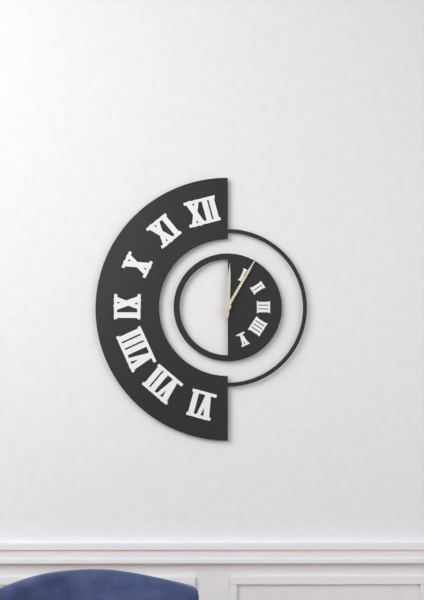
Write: 12:05
